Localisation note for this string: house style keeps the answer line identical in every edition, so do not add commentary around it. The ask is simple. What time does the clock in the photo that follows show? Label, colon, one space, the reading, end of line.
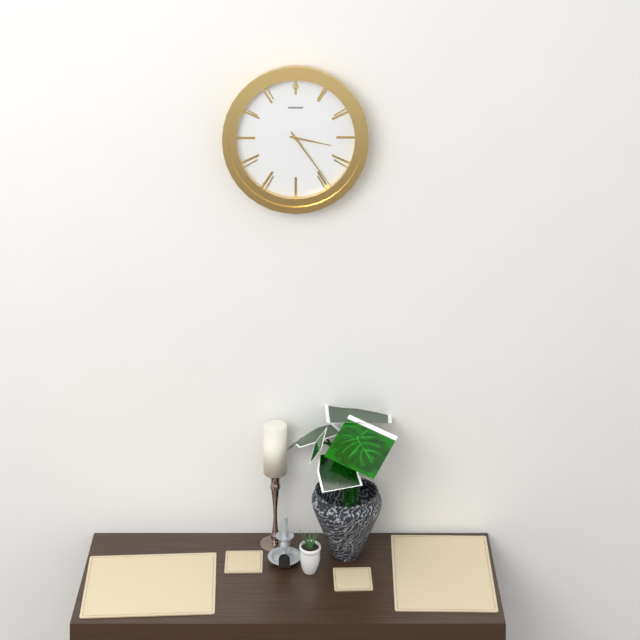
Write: 3:24
